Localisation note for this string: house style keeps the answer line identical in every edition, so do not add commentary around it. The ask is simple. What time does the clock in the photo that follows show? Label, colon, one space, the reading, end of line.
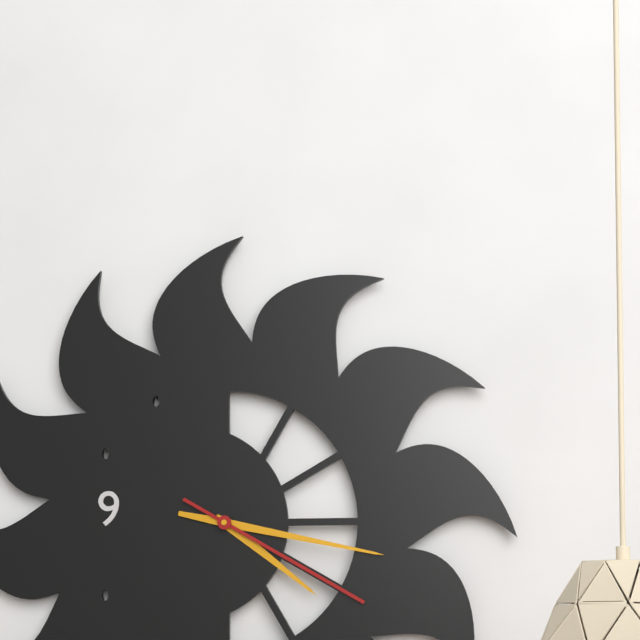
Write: 4:17:20
